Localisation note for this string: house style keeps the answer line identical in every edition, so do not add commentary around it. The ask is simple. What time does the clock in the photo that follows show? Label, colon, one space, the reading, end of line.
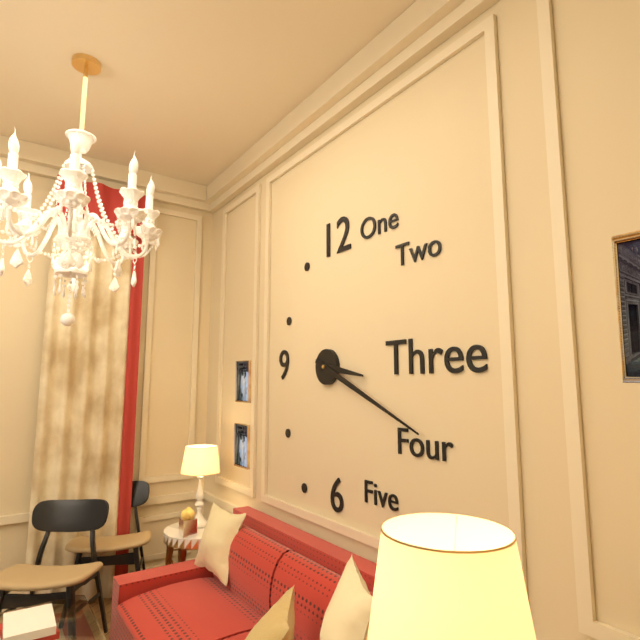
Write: 3:19
